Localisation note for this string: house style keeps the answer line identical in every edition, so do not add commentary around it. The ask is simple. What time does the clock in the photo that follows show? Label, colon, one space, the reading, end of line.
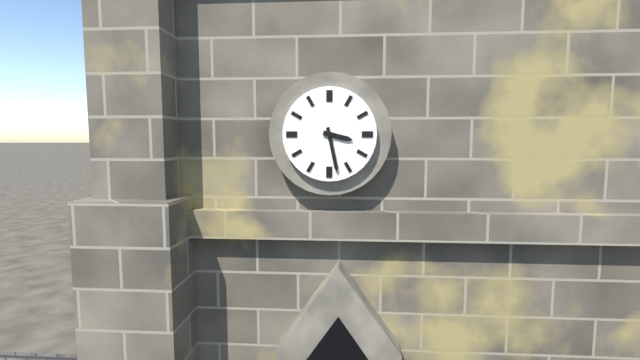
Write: 3:28
